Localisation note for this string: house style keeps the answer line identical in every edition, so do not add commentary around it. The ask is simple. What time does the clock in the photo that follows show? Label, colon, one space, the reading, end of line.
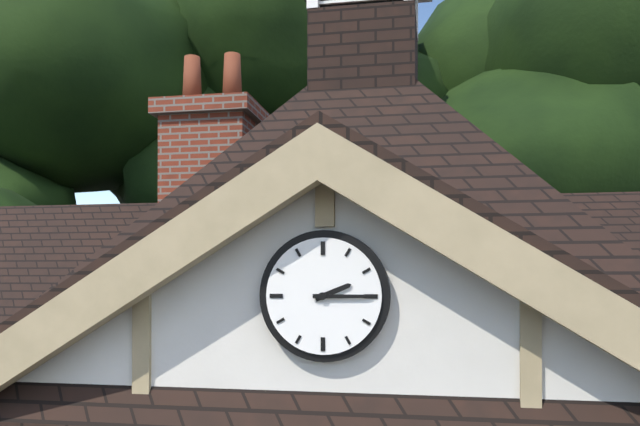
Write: 2:15
